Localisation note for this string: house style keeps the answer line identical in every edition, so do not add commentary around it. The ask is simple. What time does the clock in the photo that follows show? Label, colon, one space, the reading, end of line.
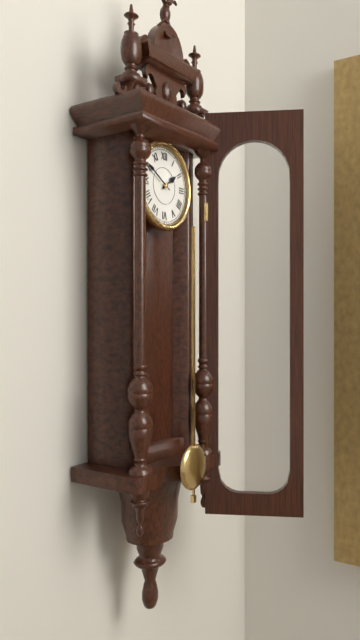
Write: 1:50
